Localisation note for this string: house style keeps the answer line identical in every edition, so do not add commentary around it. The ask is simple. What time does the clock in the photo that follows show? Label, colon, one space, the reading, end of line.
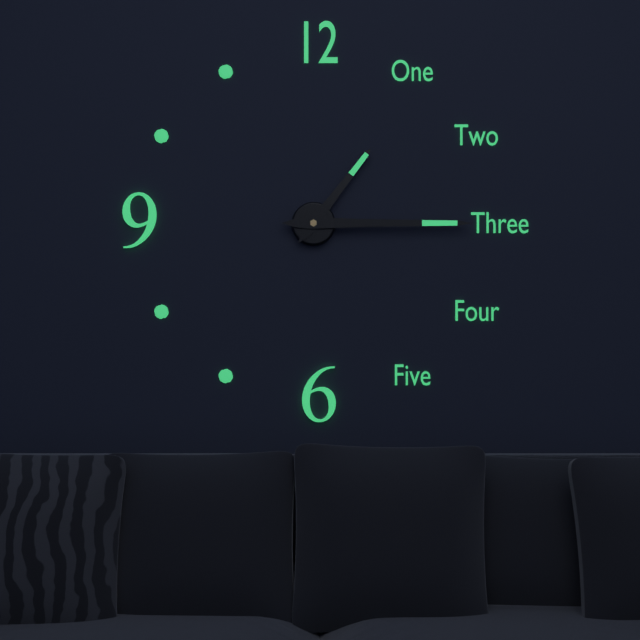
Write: 1:15
